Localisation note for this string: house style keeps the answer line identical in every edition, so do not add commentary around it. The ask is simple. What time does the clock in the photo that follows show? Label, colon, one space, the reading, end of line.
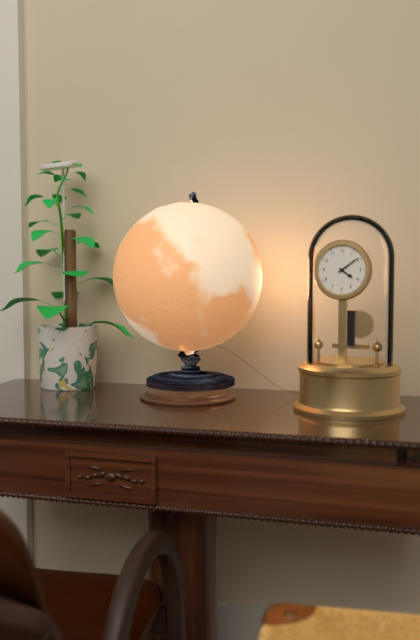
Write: 4:09
